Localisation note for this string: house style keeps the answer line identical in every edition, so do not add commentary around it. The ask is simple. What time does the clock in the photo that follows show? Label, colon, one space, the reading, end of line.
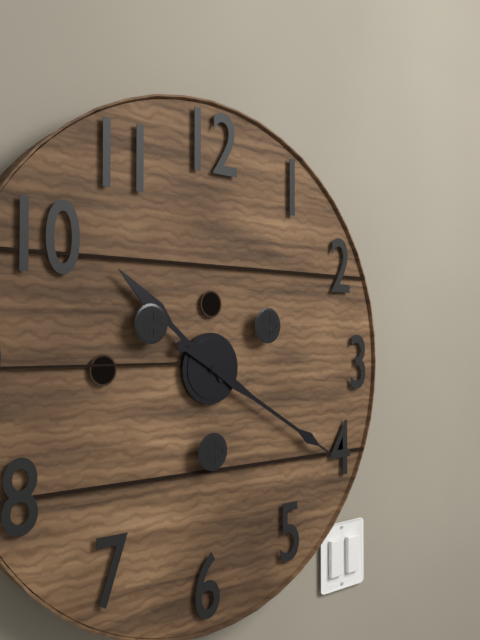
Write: 10:20
